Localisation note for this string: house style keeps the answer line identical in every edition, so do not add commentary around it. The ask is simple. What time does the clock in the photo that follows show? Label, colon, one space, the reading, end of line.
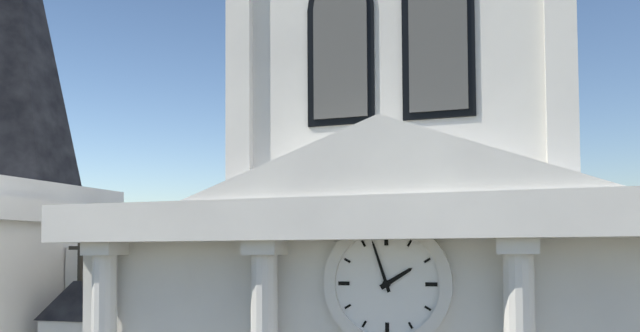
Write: 1:57
